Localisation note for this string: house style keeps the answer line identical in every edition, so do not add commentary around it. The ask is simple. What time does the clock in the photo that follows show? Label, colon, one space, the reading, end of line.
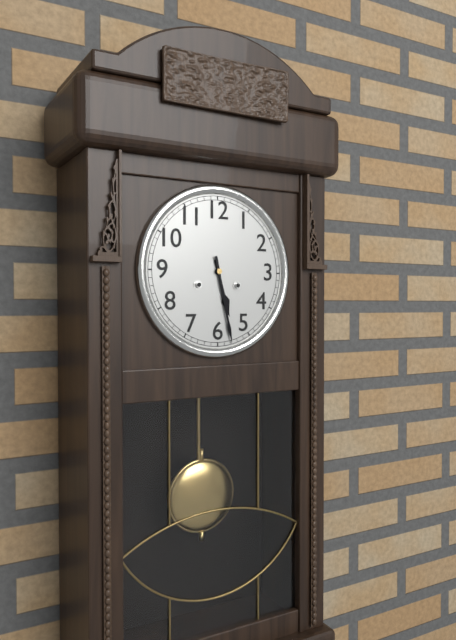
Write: 5:28
